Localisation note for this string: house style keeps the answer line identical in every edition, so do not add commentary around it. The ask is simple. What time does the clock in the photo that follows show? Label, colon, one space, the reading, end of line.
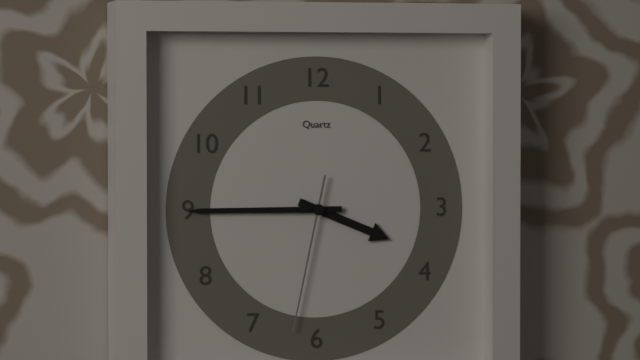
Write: 3:45:32
